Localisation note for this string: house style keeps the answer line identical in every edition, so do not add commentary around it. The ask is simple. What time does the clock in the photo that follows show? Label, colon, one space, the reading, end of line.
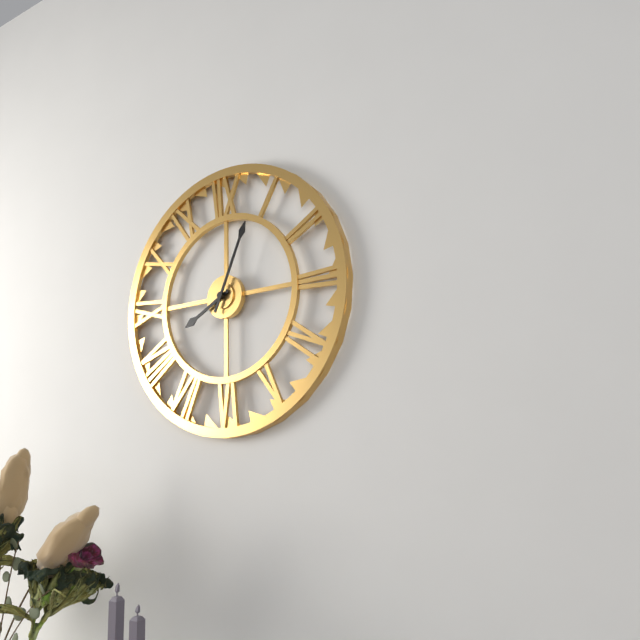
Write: 8:04
